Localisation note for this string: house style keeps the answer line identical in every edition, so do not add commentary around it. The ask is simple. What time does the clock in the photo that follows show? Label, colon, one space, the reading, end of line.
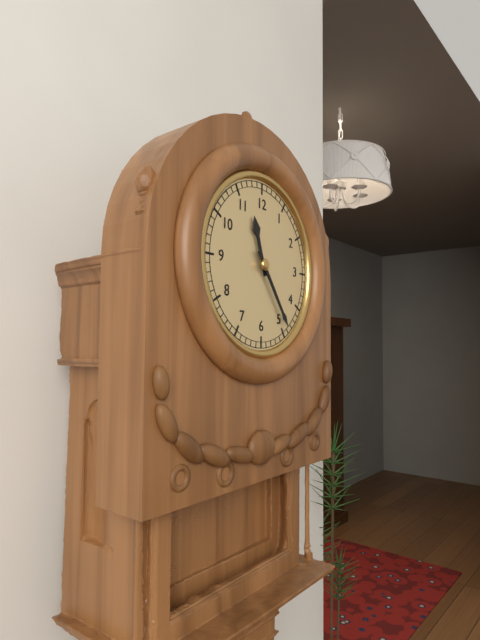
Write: 11:24
